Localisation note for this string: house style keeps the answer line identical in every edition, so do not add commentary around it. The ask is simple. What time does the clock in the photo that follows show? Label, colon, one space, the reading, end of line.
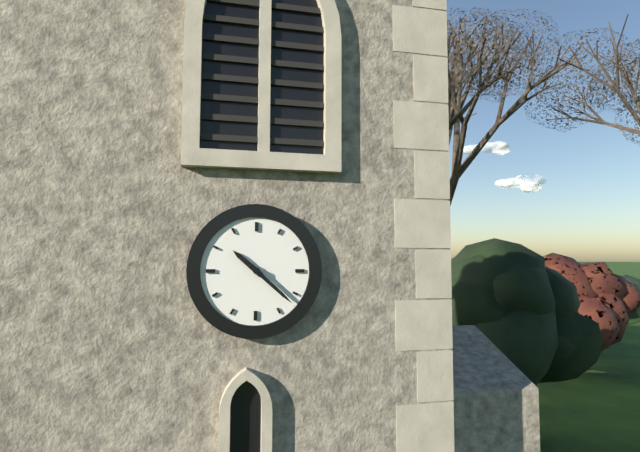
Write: 10:22
